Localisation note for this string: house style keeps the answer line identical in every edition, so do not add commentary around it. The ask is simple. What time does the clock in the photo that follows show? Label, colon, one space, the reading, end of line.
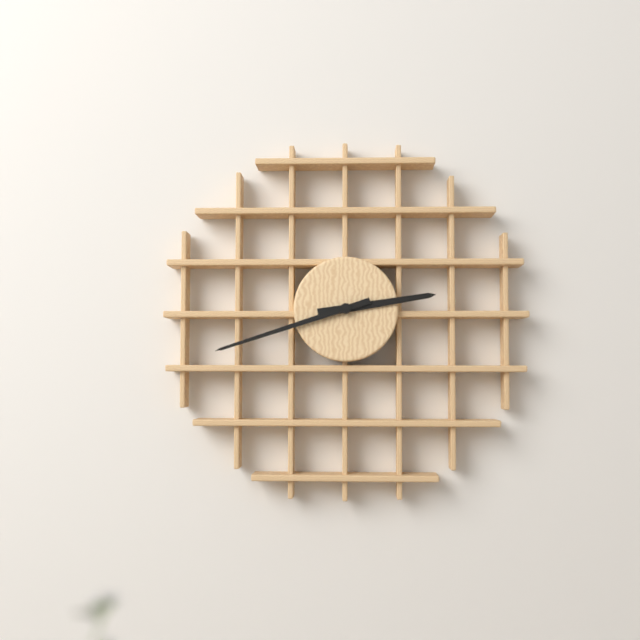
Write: 2:42
